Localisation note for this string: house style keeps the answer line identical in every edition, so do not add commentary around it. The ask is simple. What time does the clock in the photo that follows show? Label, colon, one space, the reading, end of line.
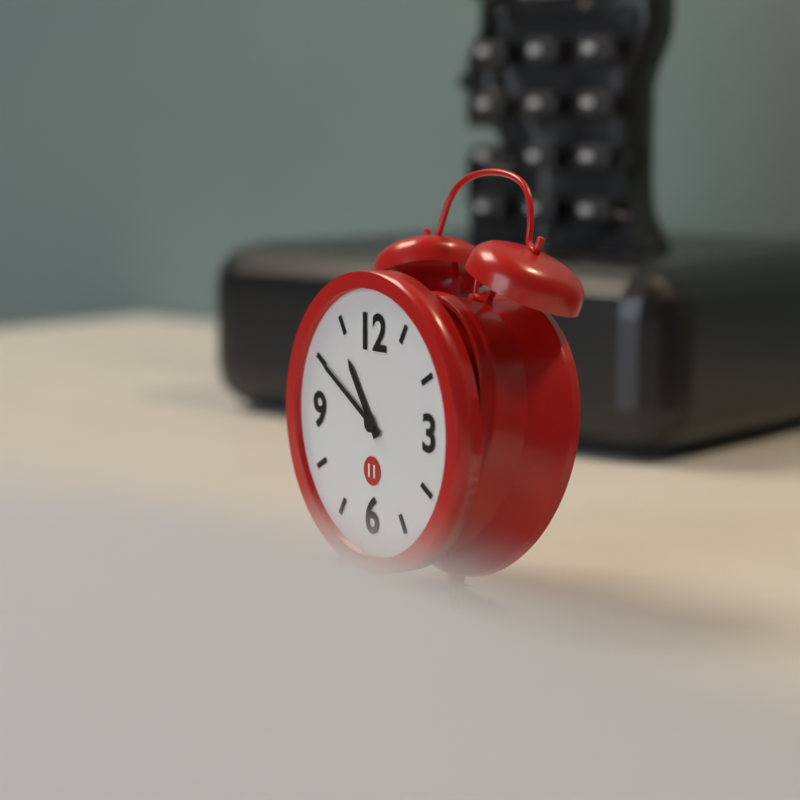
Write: 10:50
